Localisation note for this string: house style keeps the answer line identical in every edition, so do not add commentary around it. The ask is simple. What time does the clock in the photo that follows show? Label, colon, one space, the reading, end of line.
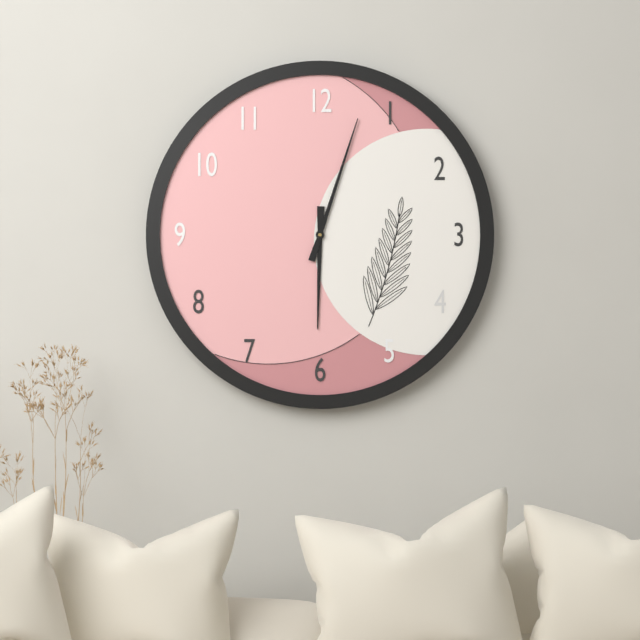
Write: 6:03
